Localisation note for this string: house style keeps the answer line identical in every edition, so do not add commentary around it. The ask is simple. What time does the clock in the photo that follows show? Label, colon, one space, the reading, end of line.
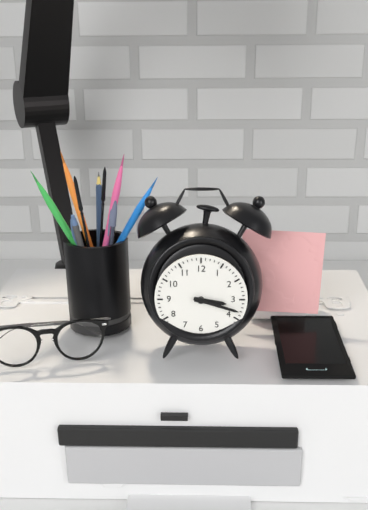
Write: 3:18
